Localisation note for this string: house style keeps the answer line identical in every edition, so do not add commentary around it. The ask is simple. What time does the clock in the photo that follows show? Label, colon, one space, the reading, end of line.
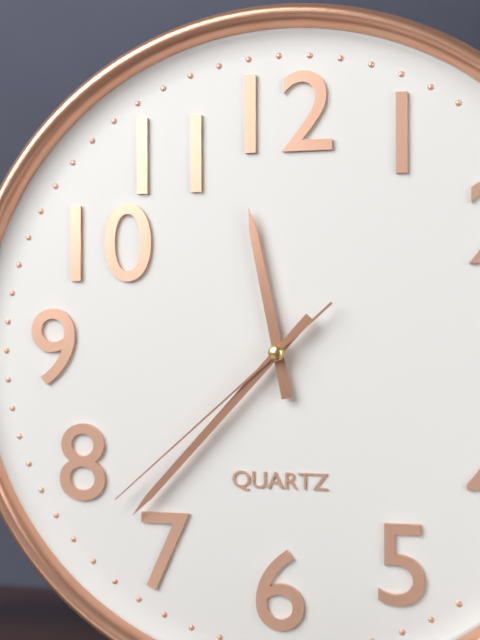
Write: 11:37:38
